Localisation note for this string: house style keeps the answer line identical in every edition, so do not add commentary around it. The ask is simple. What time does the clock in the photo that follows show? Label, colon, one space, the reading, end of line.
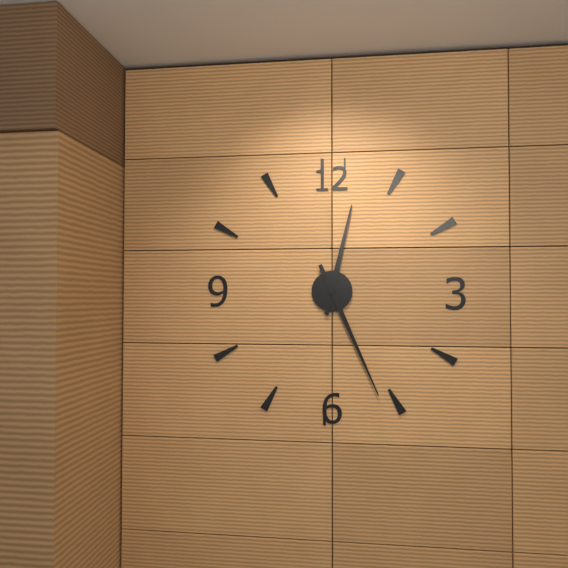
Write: 12:26
